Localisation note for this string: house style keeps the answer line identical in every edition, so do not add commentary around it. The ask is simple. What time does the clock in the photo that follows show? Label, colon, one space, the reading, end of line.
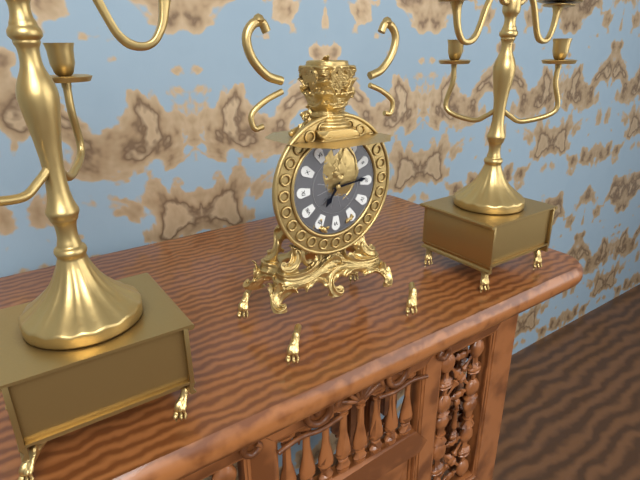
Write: 7:14
